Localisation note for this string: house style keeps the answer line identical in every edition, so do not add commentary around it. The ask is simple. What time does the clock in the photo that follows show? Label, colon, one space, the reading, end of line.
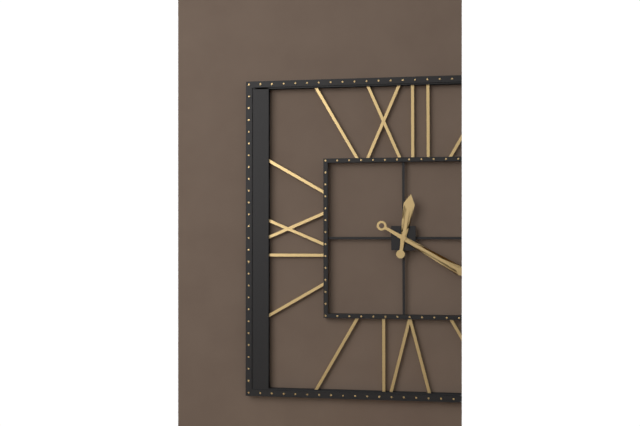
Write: 12:20
